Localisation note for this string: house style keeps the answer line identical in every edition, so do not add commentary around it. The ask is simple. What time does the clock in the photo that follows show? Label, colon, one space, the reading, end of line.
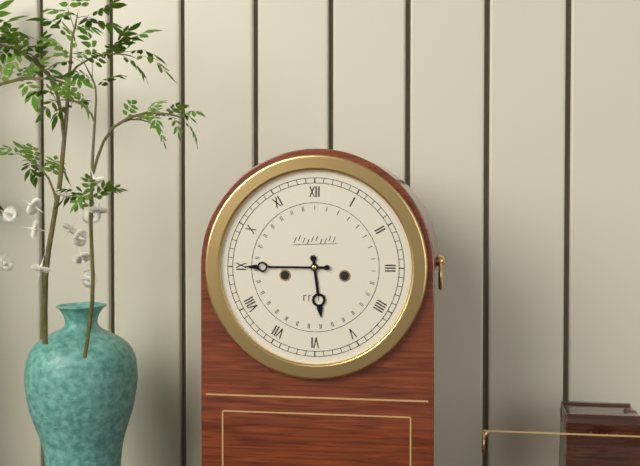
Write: 5:45
